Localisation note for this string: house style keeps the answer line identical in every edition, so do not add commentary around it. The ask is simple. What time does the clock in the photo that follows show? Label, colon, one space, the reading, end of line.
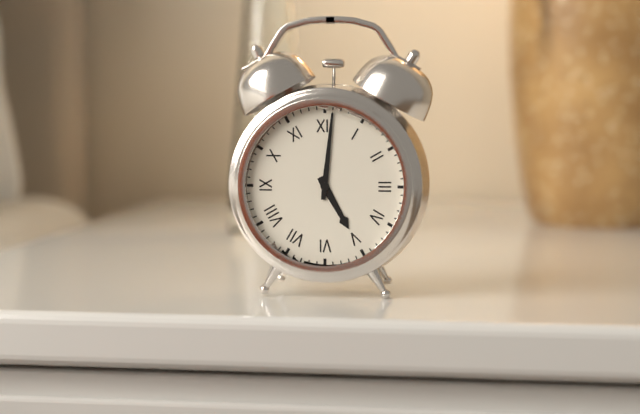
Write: 5:01
